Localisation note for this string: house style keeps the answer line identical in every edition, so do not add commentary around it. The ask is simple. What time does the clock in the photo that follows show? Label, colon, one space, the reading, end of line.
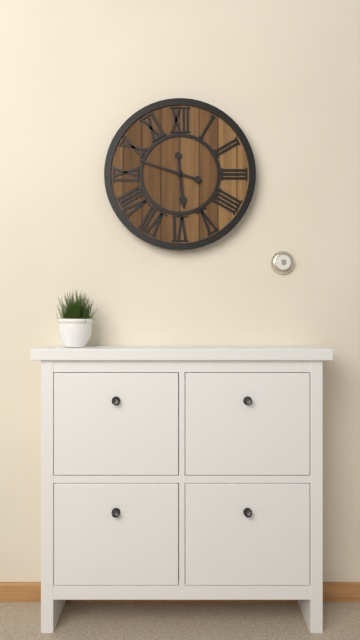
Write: 5:48
